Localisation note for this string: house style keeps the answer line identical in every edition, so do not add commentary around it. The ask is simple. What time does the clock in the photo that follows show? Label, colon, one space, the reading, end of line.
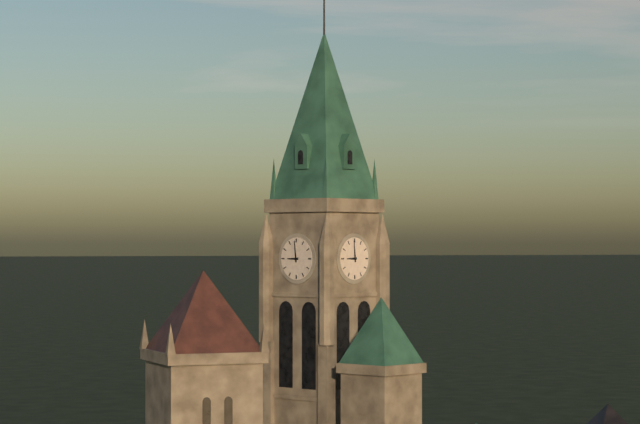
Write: 8:59
